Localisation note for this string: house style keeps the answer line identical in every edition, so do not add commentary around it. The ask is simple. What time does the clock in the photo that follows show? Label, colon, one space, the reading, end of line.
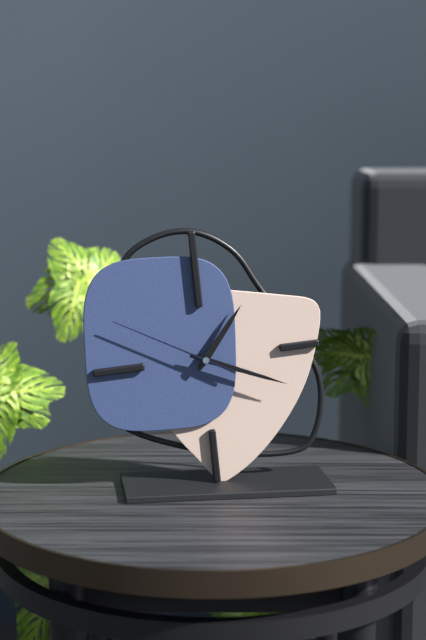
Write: 1:19:50
